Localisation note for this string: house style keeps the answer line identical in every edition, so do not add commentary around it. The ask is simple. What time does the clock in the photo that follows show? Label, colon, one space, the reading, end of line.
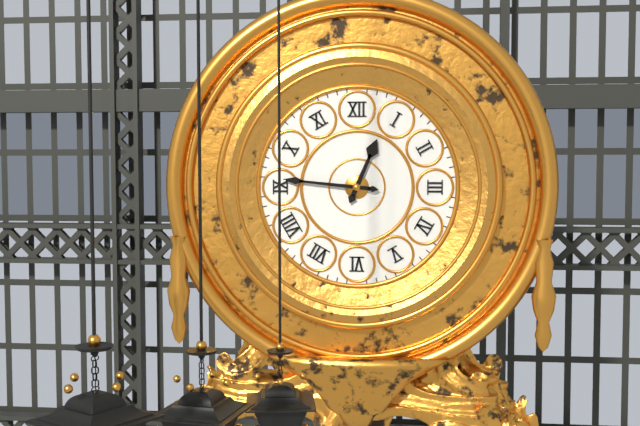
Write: 12:46
